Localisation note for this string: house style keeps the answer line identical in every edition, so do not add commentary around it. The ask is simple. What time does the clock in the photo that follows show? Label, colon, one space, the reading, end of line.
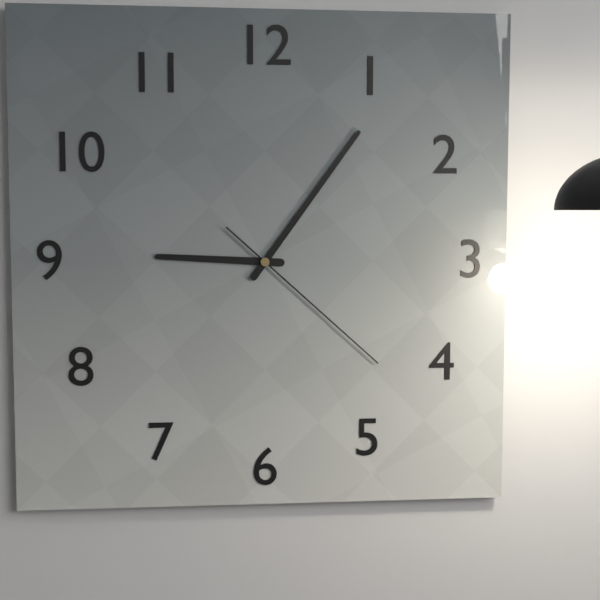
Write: 9:06:22
